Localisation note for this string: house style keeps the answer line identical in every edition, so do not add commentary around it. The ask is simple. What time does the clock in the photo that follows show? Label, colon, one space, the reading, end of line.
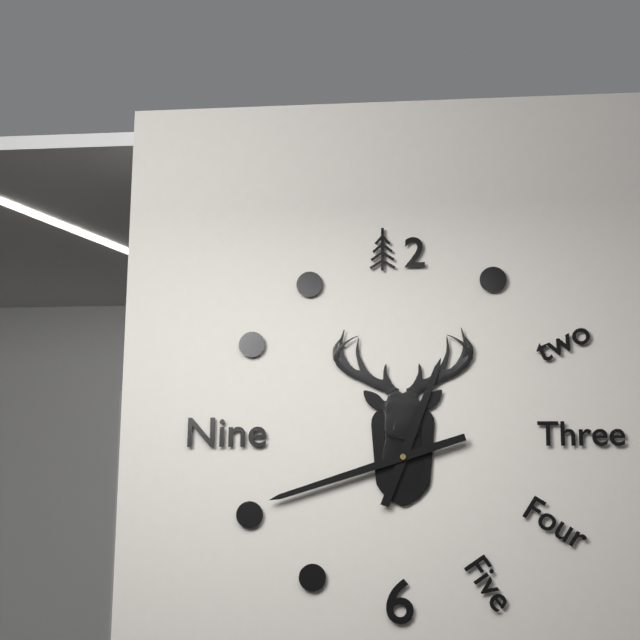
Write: 12:42
